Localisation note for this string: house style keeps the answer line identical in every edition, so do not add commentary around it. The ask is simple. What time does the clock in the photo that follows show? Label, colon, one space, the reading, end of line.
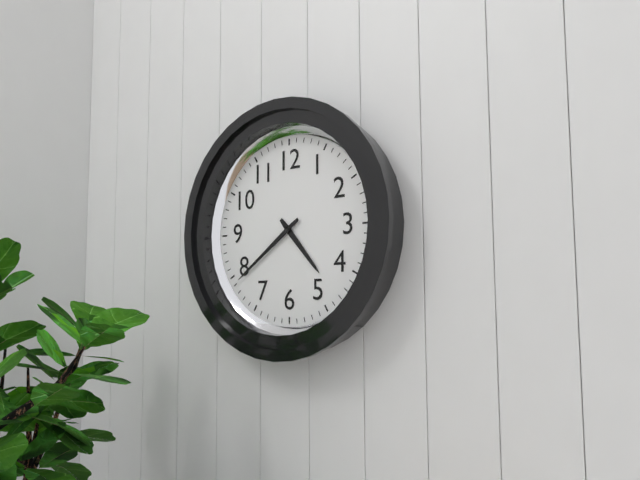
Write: 4:39
